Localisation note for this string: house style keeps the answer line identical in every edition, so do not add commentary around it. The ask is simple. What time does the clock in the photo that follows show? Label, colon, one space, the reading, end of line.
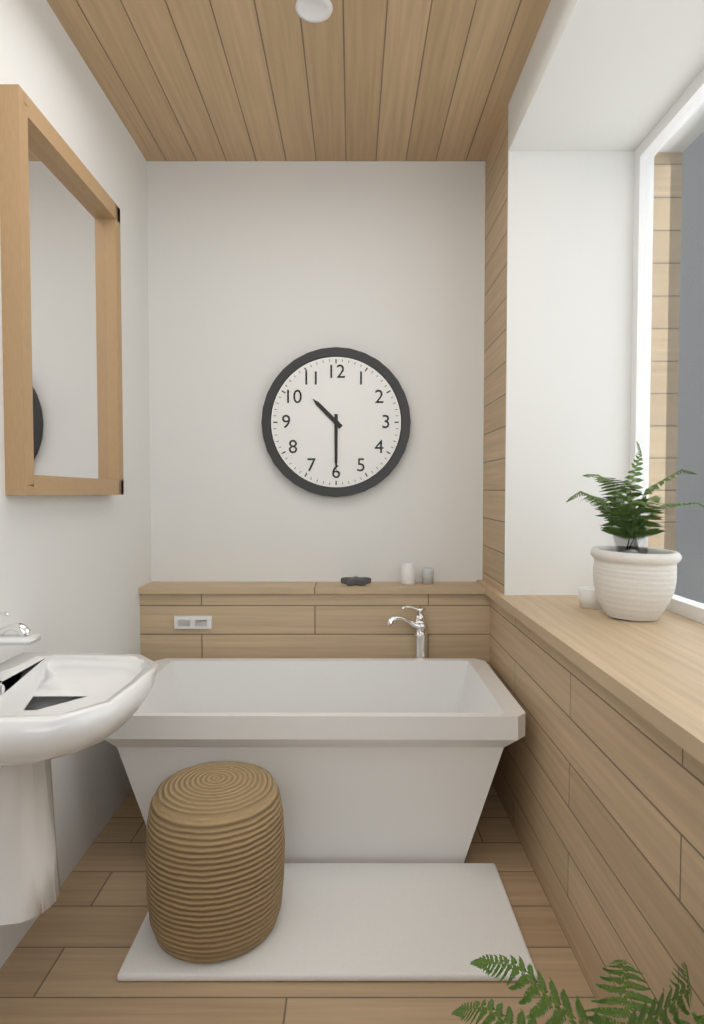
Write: 10:30
